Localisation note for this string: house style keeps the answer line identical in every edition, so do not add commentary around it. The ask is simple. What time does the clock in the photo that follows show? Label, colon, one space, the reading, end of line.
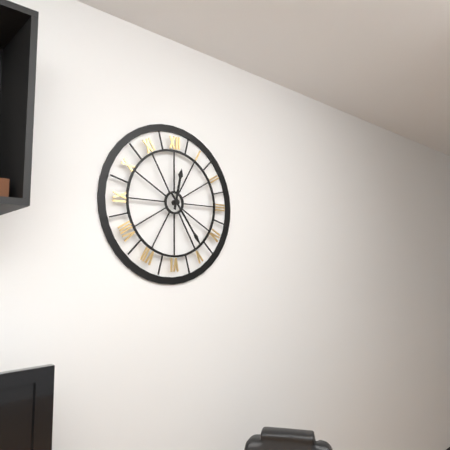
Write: 12:24
